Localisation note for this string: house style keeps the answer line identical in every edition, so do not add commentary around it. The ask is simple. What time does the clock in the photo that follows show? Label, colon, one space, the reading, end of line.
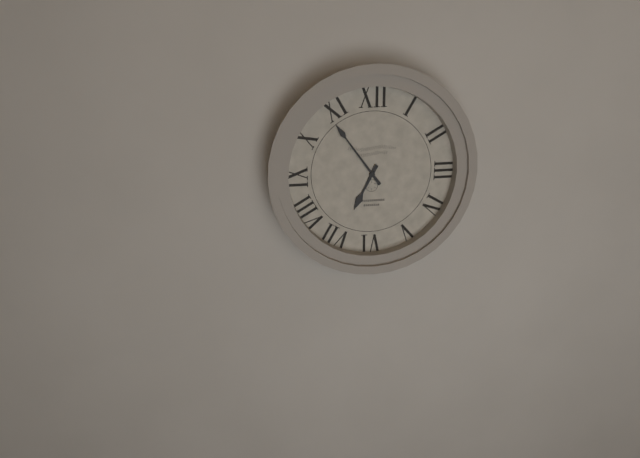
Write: 6:54
